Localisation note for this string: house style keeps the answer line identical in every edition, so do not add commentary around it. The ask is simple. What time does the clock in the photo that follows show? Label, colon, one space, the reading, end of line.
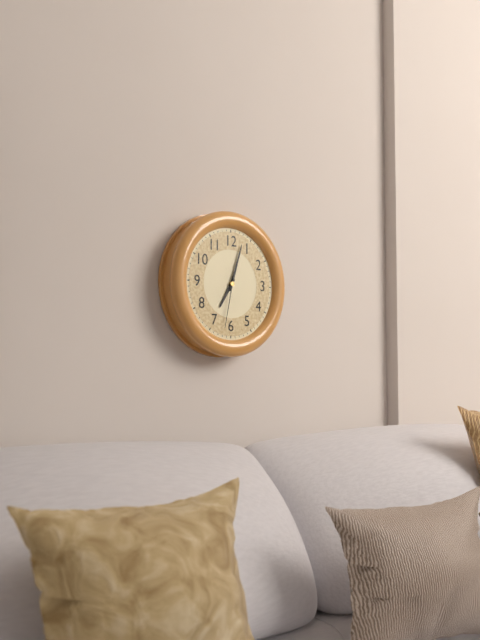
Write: 7:03:32
